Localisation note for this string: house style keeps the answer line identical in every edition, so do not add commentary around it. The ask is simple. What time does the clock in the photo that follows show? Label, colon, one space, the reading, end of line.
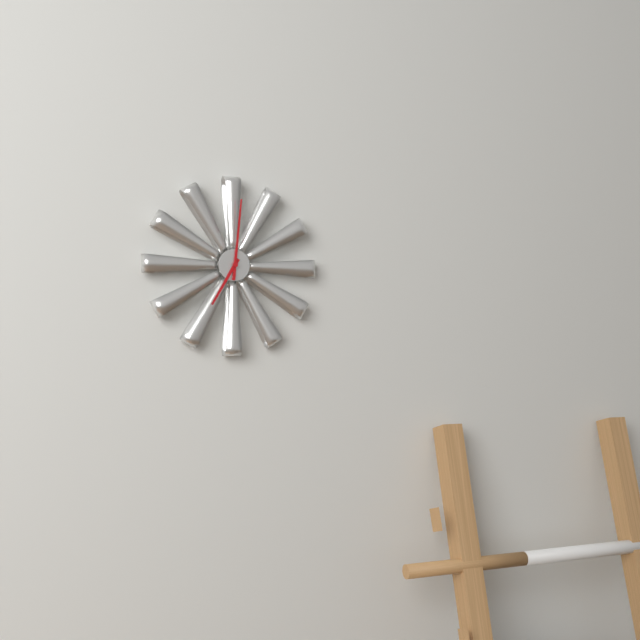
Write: 7:01
